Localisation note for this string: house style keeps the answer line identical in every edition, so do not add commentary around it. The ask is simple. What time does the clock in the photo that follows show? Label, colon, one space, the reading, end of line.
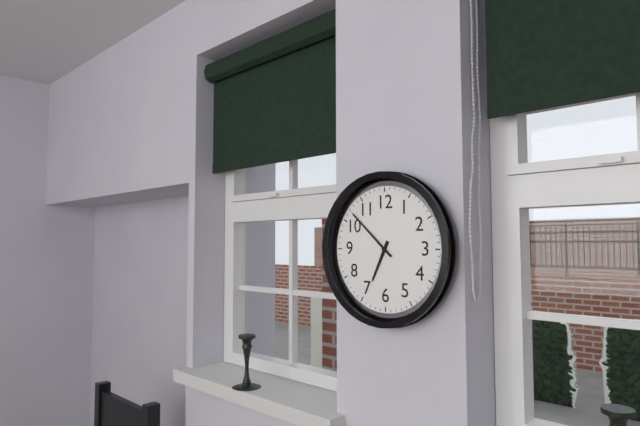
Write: 6:52
